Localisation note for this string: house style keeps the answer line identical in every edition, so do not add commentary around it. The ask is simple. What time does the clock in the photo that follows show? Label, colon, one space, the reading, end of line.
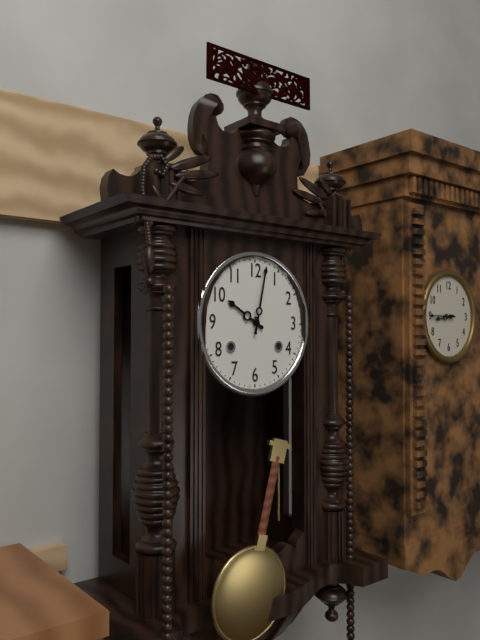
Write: 10:02
